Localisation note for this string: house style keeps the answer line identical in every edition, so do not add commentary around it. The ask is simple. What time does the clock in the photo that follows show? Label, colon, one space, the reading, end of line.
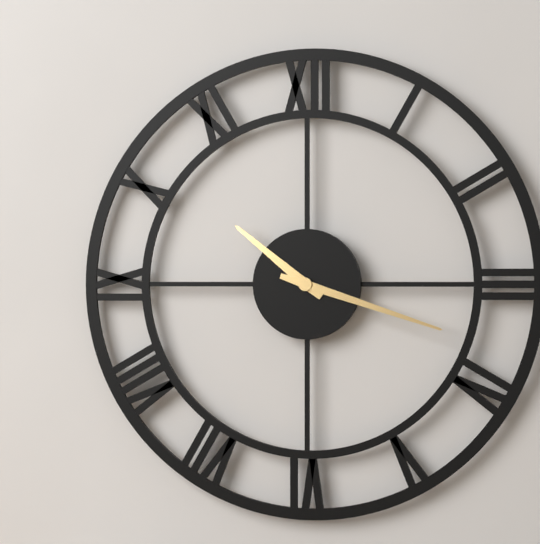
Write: 10:18
